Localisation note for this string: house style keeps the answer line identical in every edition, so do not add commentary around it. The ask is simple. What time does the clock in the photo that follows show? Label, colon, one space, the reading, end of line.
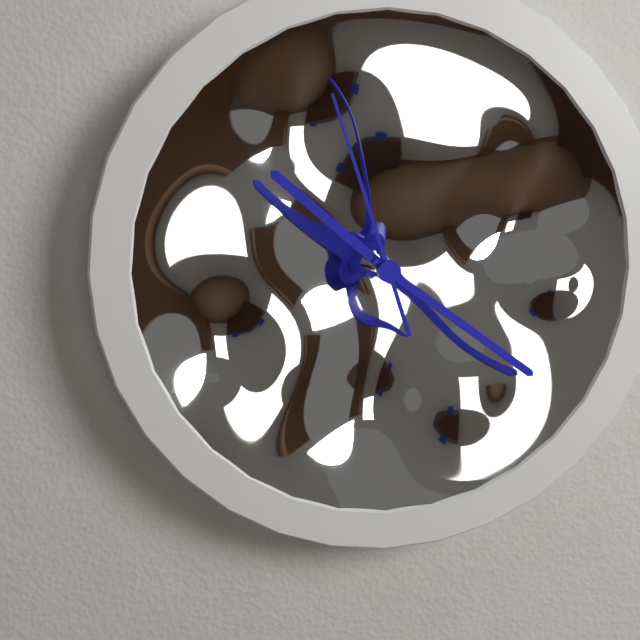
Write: 10:21:57
